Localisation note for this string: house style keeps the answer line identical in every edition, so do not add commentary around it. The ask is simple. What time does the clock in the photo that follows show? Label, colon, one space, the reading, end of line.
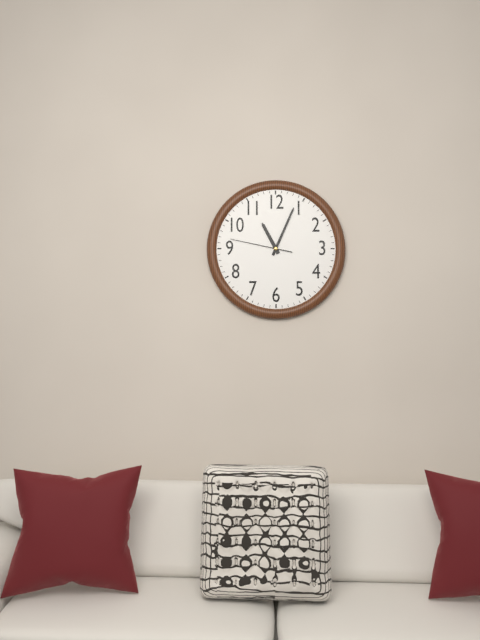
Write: 11:04:47
